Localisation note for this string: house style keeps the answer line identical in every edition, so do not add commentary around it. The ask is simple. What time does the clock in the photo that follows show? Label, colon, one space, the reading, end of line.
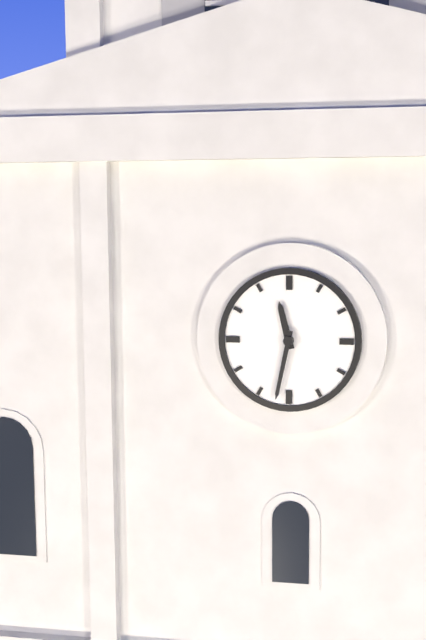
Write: 11:32
